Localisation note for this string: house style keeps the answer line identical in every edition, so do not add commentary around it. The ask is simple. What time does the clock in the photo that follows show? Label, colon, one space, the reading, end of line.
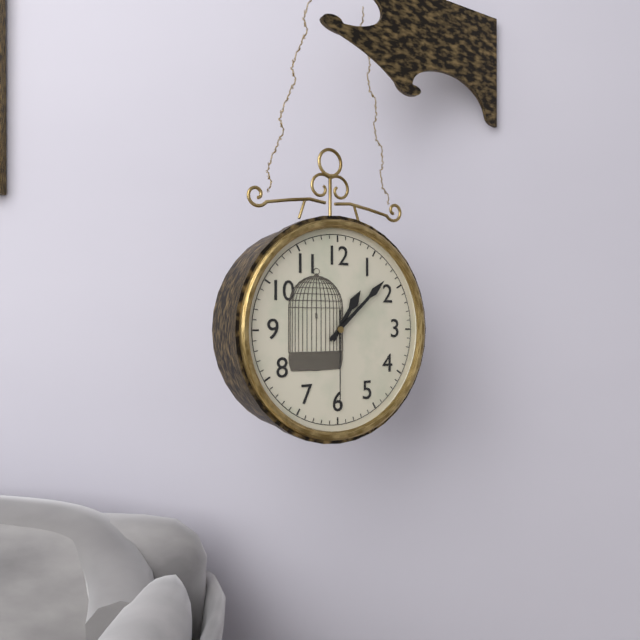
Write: 1:08:30
